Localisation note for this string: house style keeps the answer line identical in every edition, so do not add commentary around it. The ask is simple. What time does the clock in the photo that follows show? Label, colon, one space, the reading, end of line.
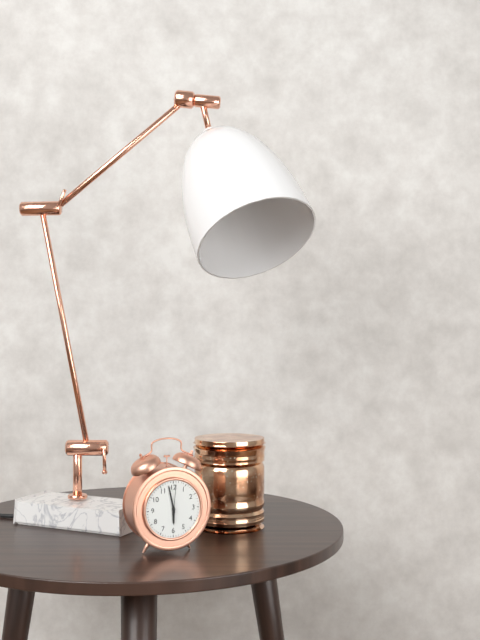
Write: 5:58
